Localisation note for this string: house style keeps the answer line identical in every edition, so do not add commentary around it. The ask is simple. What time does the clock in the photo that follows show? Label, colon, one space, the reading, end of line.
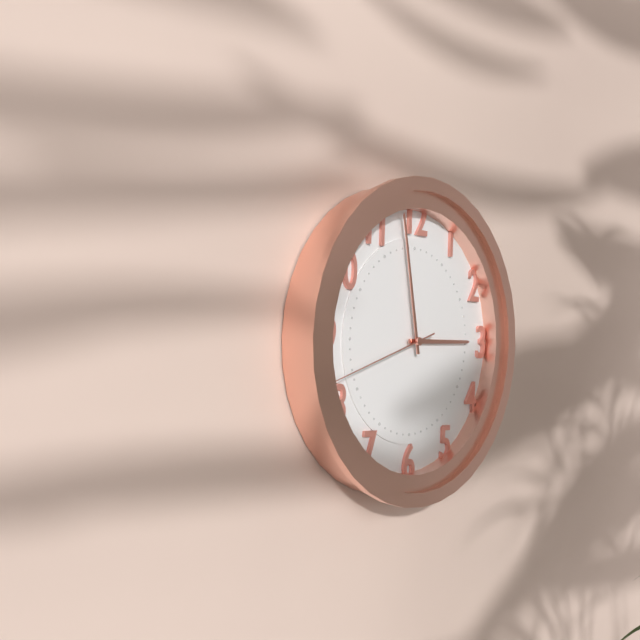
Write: 2:58:42
